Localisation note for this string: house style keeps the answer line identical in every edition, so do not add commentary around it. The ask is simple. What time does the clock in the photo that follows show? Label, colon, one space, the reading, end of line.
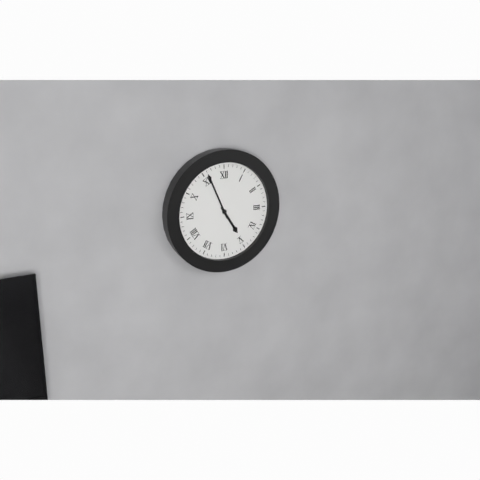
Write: 4:56
